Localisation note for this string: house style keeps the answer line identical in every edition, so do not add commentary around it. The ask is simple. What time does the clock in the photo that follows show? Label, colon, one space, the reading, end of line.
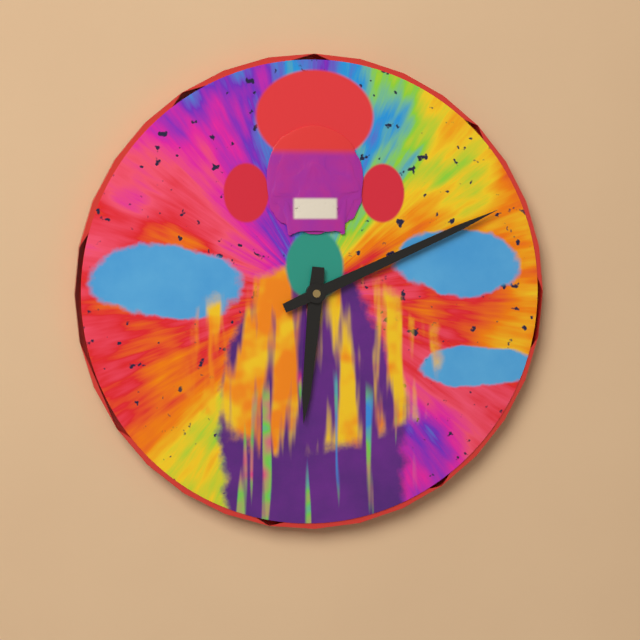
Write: 6:11
